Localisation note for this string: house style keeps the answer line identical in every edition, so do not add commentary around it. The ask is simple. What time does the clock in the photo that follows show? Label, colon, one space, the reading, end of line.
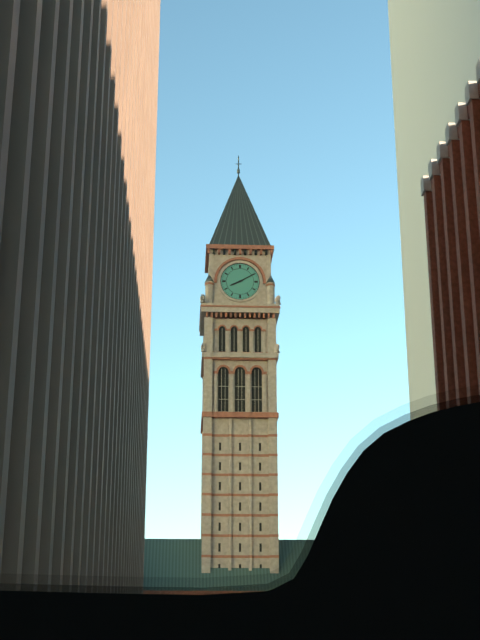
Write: 8:10
